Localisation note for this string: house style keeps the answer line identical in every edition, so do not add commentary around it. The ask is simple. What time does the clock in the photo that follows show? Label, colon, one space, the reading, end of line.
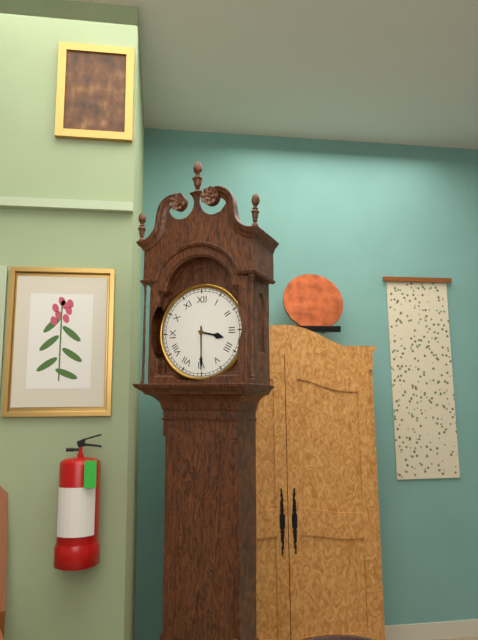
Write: 3:30
